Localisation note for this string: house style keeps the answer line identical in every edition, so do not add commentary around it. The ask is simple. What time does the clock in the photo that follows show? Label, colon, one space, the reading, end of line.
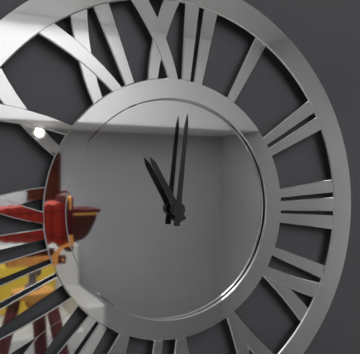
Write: 11:01
